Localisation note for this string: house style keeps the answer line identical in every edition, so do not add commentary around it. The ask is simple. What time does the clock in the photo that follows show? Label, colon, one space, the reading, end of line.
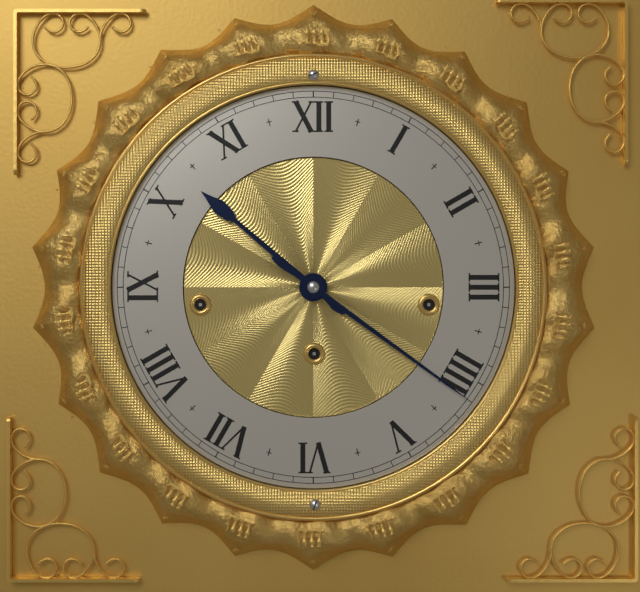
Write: 10:21
